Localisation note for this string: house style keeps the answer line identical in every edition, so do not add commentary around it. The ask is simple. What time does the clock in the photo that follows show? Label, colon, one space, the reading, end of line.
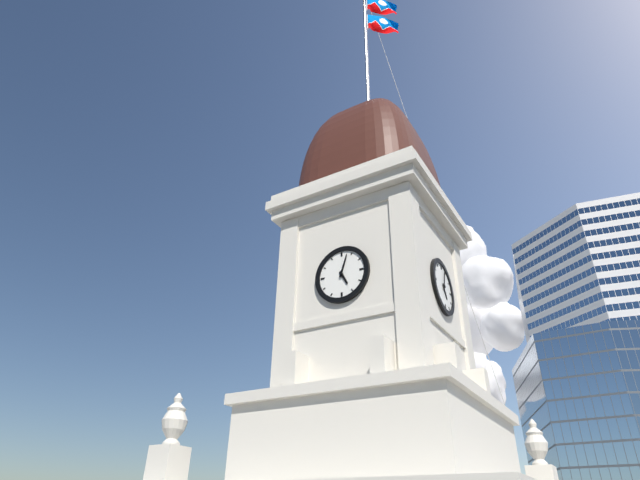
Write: 5:03
